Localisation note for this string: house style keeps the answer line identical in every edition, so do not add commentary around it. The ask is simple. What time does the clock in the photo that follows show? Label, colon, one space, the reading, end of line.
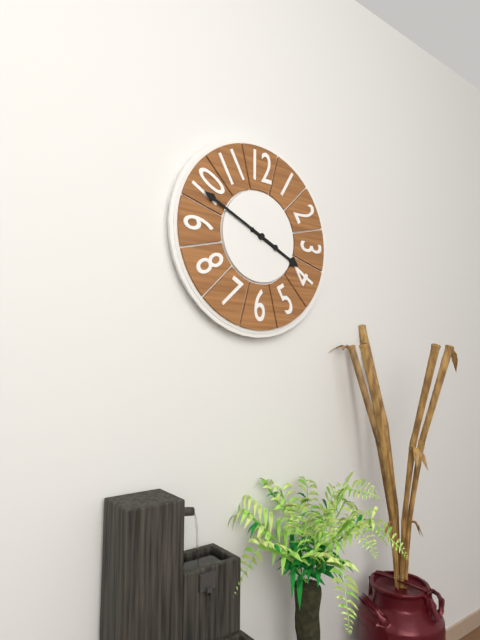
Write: 3:49
